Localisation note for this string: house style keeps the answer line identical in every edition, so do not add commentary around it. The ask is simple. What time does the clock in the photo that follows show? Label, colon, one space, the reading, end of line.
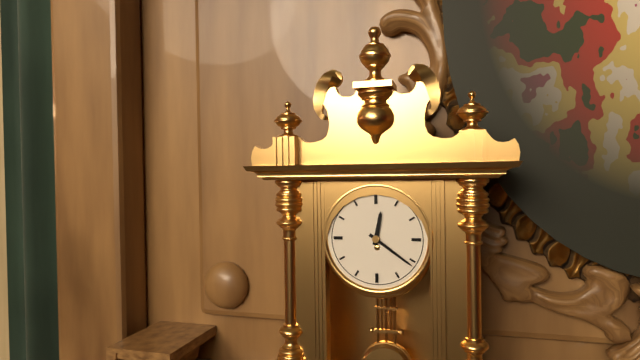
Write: 12:21
